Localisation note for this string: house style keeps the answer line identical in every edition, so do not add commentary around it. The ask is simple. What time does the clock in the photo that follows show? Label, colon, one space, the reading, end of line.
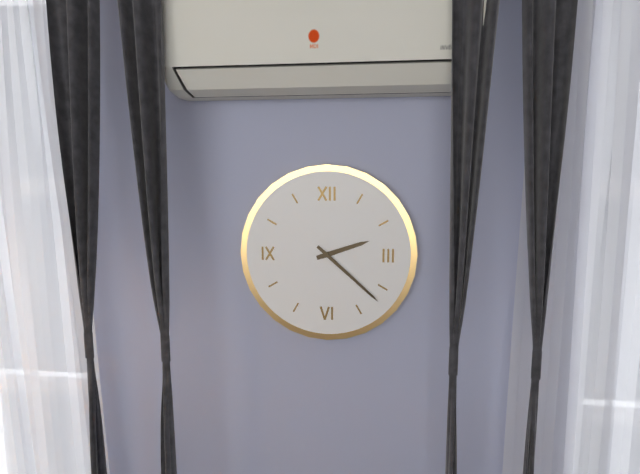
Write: 2:22
